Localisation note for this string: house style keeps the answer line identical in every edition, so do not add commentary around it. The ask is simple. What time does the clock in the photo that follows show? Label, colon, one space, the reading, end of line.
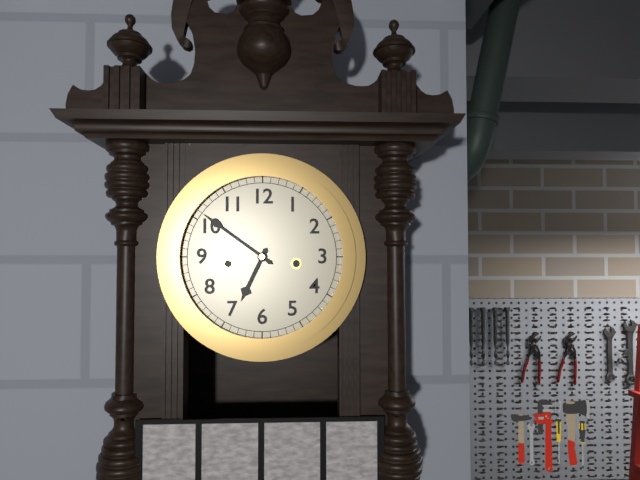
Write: 6:51
